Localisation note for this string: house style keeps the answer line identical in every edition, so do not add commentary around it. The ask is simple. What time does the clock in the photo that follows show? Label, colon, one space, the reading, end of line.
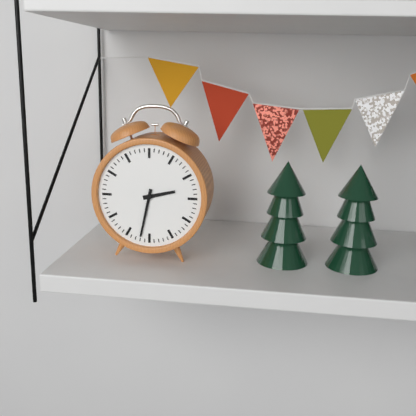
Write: 2:32
